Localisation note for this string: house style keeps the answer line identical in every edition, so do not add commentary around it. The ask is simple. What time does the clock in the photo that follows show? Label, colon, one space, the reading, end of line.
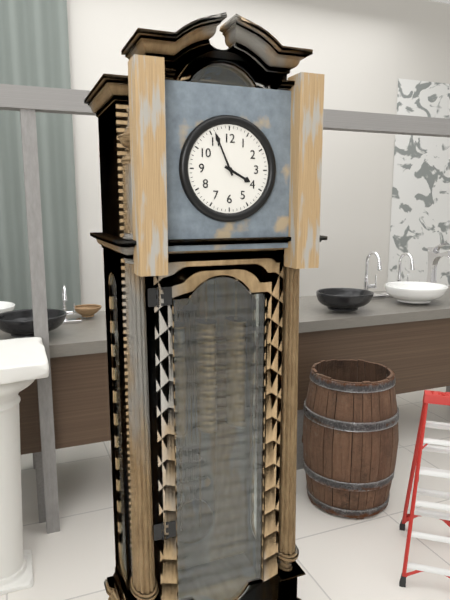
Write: 3:56
